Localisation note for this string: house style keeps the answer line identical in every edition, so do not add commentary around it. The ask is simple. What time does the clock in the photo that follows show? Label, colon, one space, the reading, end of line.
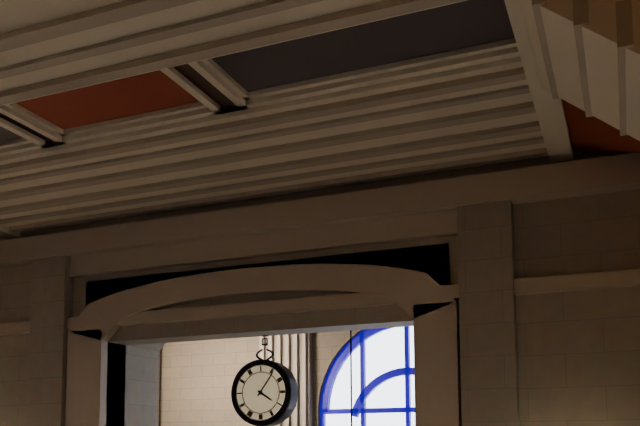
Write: 4:06
